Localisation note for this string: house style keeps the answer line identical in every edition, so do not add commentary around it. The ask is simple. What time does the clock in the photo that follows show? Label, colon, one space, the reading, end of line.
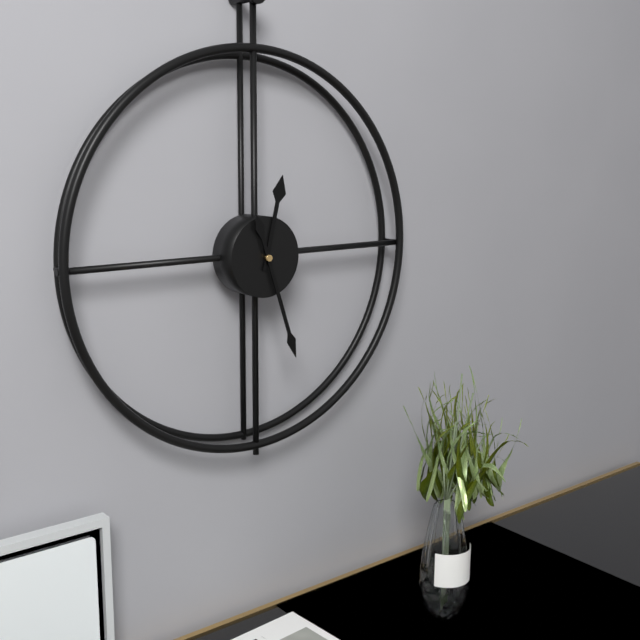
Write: 12:27
